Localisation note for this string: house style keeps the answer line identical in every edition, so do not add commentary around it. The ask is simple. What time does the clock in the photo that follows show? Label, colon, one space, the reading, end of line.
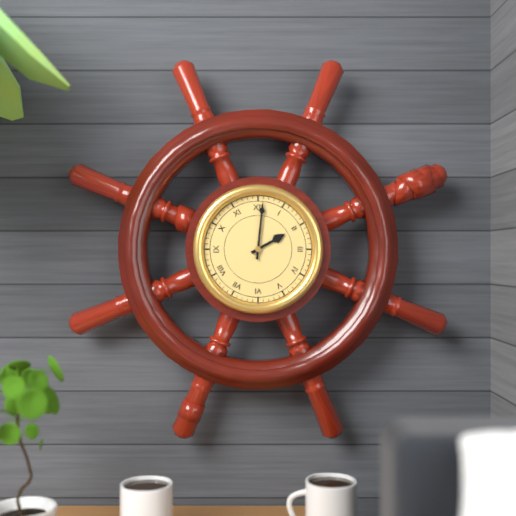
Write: 2:01
